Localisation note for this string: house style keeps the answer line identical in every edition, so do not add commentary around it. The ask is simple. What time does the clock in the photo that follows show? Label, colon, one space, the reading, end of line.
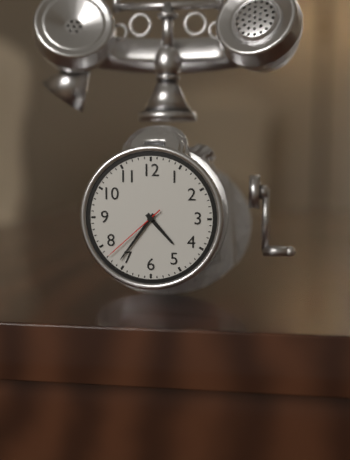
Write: 4:36:38
